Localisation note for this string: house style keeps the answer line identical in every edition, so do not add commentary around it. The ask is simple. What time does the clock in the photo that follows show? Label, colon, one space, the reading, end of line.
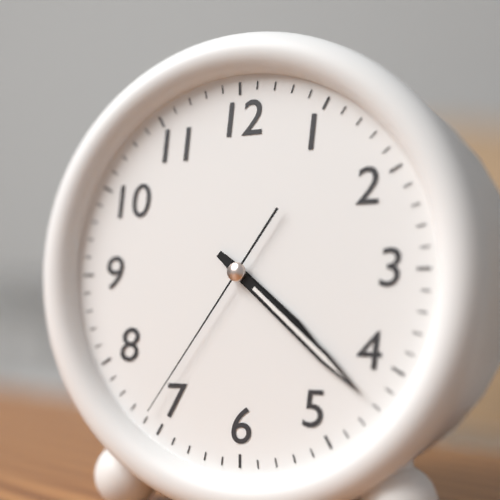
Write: 4:22:36
